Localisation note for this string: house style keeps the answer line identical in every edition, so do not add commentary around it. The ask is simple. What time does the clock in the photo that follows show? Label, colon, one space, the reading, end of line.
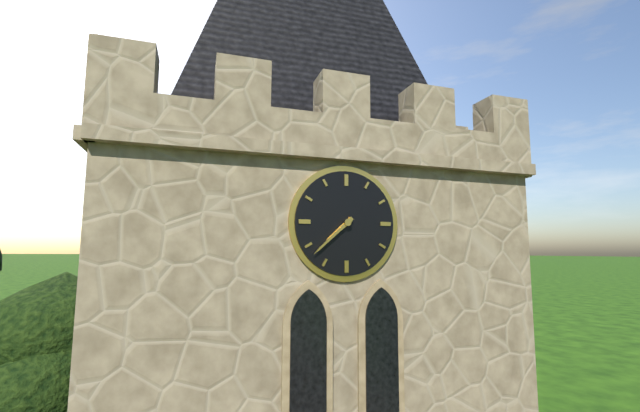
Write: 7:38
